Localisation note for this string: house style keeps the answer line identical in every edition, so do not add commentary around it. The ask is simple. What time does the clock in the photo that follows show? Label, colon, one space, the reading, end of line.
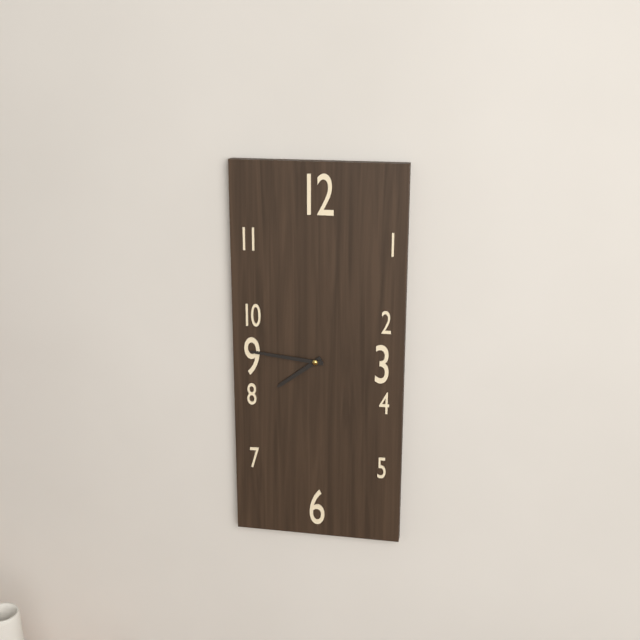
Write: 7:46
